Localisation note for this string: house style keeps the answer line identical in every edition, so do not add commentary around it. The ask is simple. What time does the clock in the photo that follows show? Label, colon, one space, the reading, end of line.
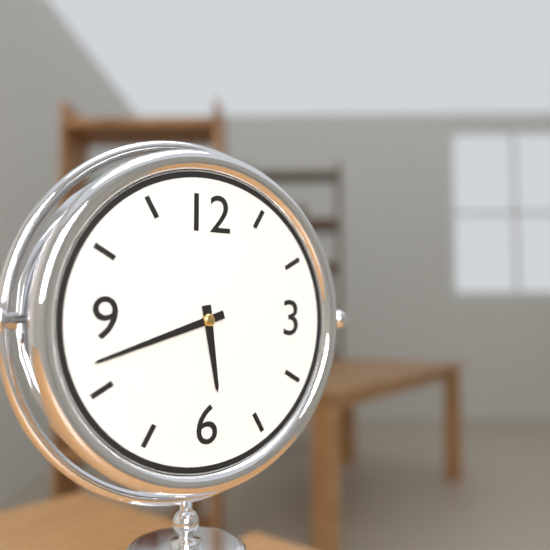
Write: 5:42
